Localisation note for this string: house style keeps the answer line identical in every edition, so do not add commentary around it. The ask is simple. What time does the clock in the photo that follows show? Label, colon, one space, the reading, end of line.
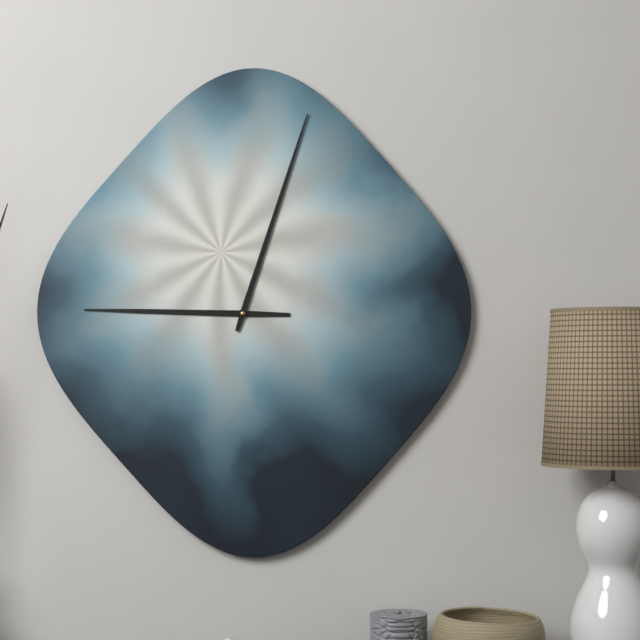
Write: 9:03
